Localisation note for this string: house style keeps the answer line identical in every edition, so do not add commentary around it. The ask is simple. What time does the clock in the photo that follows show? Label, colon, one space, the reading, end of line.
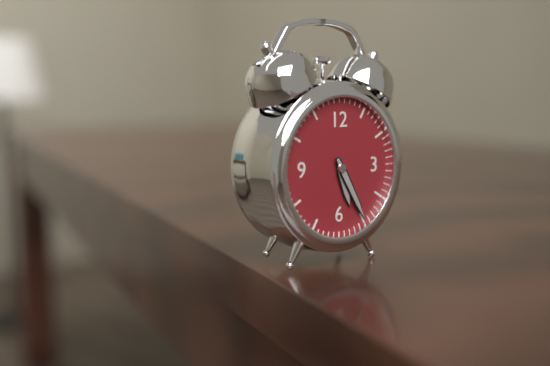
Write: 5:25
